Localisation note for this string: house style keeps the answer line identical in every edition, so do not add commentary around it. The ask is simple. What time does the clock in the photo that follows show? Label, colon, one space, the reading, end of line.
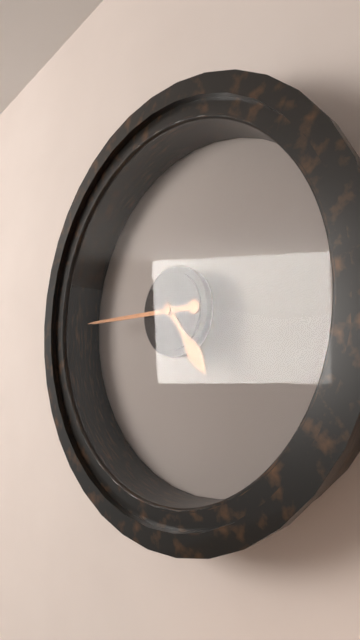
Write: 4:45
